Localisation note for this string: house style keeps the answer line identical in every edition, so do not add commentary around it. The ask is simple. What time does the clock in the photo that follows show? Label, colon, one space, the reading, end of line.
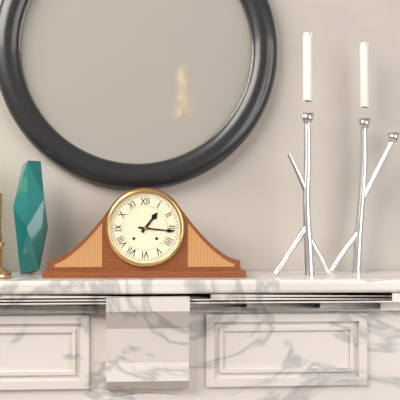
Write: 1:16
